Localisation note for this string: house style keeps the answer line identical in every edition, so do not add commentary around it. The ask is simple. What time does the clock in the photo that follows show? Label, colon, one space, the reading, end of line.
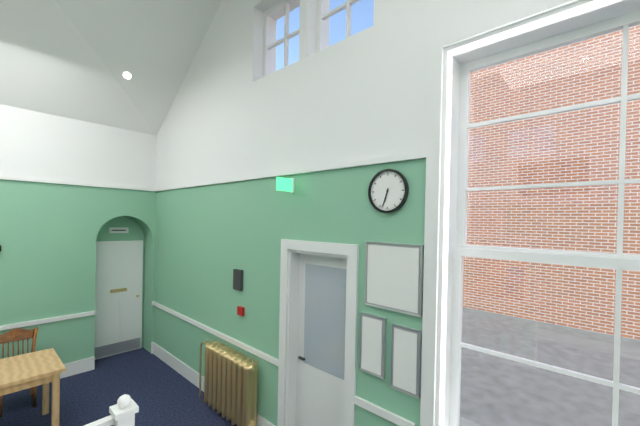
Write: 6:33
